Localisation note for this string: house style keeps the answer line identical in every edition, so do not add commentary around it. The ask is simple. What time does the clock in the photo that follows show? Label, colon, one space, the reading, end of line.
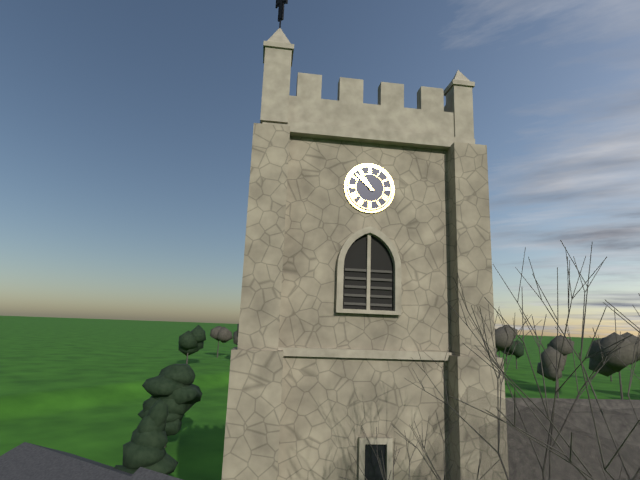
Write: 10:52
